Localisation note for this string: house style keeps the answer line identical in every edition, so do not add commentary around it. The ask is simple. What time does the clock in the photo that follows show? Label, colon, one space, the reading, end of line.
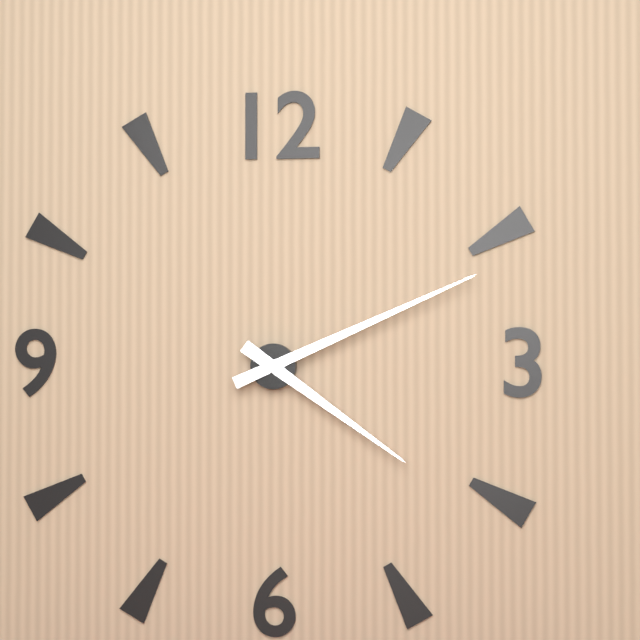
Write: 4:11
